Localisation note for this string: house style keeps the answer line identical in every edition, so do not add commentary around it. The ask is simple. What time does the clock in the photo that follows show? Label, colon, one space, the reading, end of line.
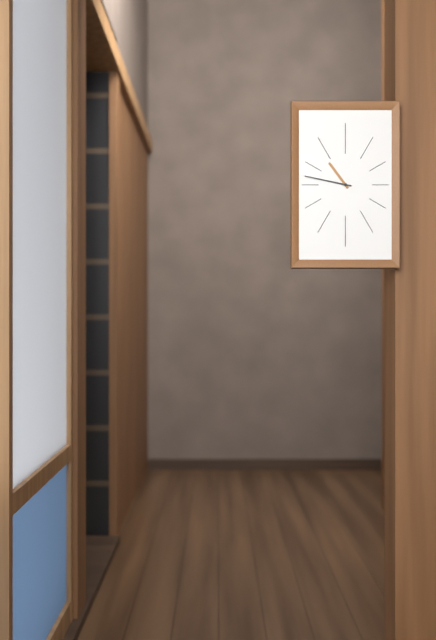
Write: 10:47
